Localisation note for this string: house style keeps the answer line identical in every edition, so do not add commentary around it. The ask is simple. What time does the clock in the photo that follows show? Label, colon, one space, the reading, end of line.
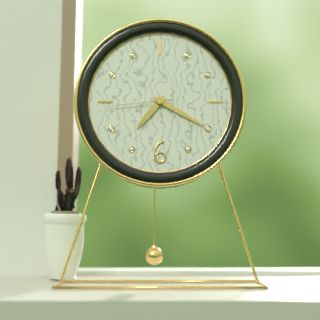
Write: 7:20:44
